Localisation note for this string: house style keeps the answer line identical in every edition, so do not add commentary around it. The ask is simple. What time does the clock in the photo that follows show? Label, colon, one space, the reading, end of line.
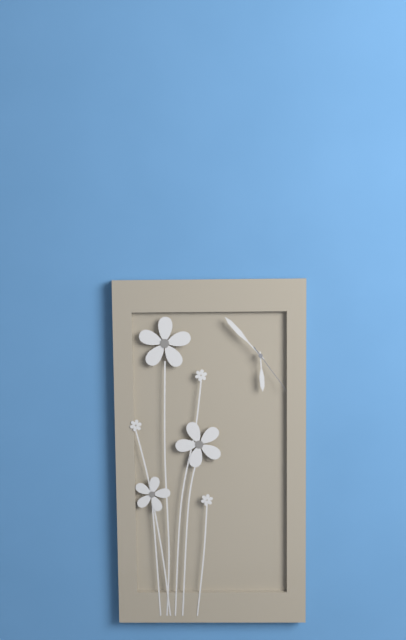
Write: 5:53:24
